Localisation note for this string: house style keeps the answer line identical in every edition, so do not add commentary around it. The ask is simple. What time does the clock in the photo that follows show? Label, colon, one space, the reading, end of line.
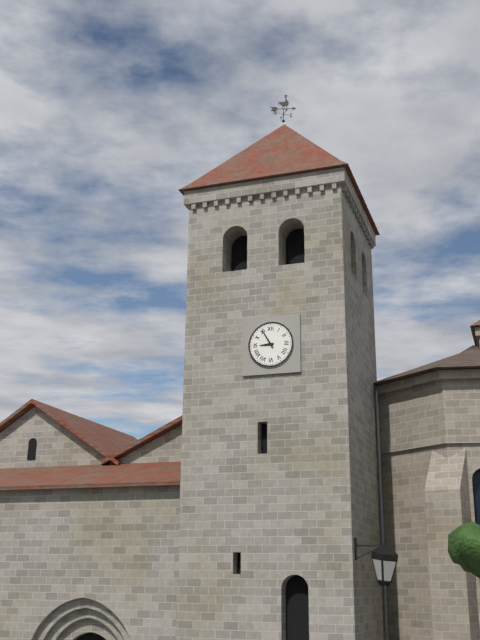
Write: 8:55
